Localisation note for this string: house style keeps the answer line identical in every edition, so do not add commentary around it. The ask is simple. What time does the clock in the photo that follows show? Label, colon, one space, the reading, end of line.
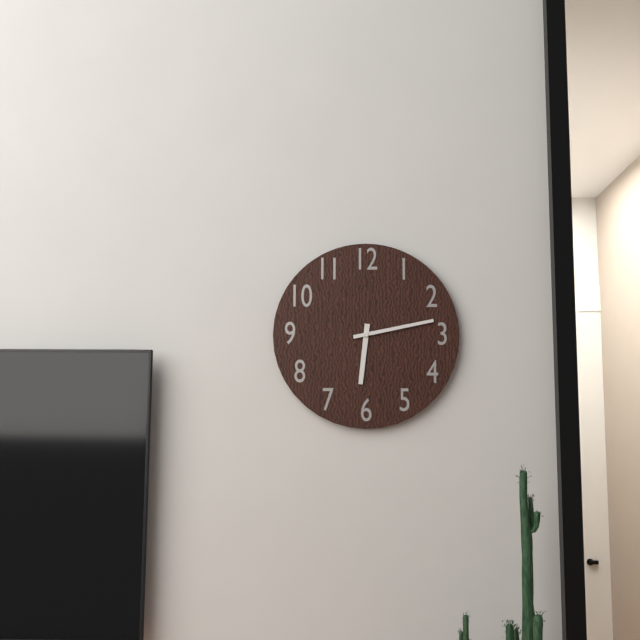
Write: 6:13
